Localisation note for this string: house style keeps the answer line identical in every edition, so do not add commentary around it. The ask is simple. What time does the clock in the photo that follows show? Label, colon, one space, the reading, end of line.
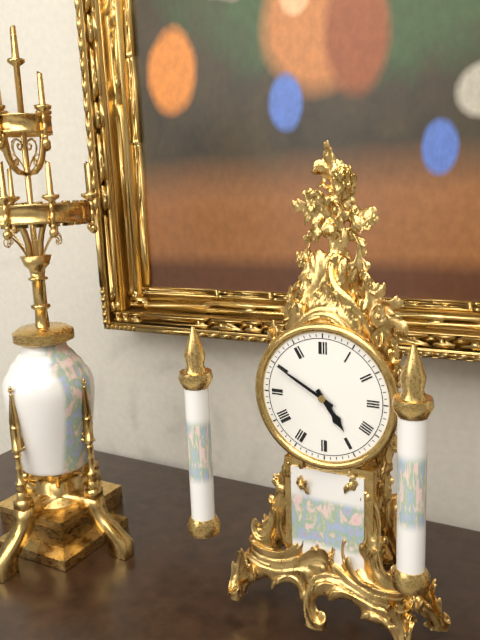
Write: 4:50
